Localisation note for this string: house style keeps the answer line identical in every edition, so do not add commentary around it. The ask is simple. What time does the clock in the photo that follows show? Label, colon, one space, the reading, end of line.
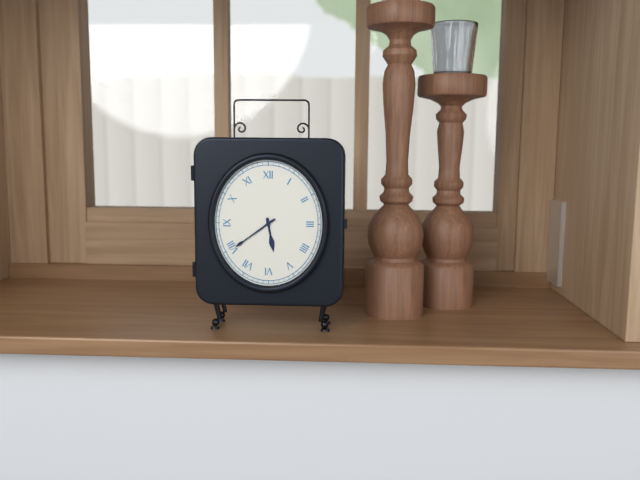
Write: 5:39
